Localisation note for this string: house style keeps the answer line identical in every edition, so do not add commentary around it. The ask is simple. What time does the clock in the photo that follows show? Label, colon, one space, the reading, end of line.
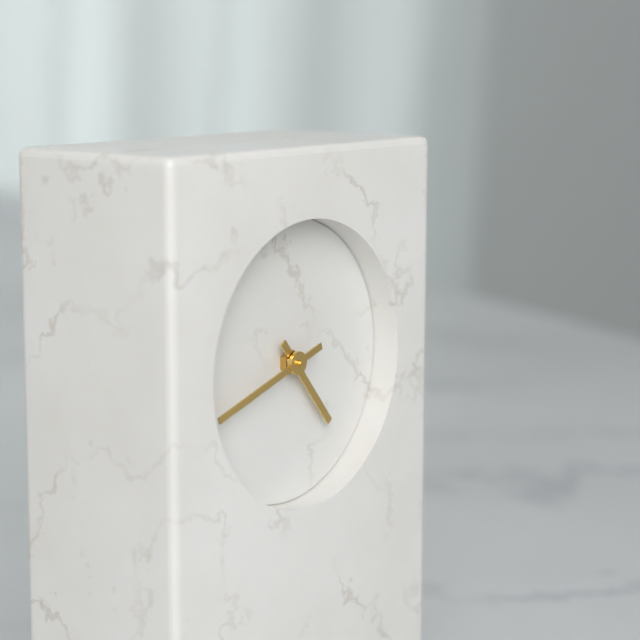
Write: 4:42
